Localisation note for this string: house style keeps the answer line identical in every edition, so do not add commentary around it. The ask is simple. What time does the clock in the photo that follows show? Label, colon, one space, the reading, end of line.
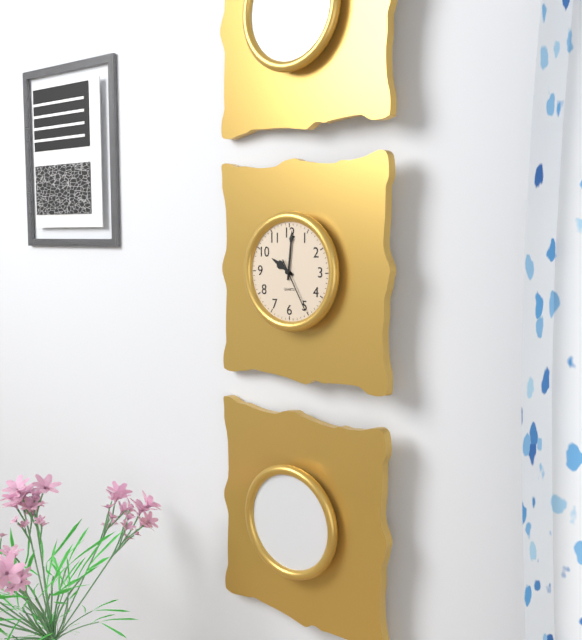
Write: 10:01:25
